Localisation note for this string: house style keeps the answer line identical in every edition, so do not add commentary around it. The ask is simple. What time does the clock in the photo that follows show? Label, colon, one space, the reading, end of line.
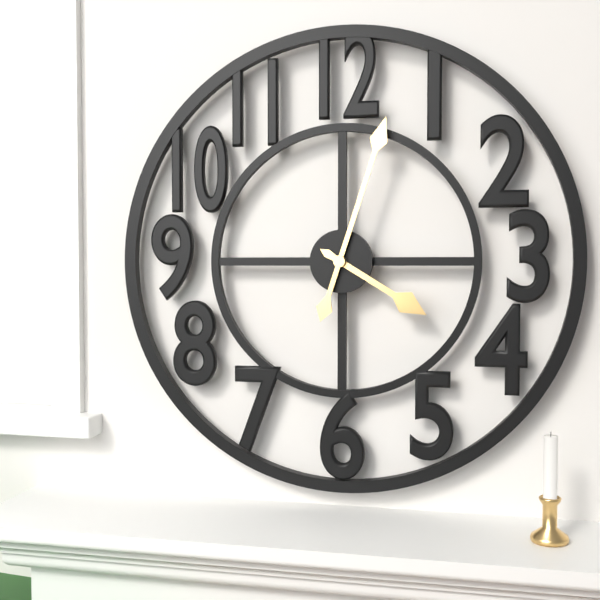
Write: 4:03
